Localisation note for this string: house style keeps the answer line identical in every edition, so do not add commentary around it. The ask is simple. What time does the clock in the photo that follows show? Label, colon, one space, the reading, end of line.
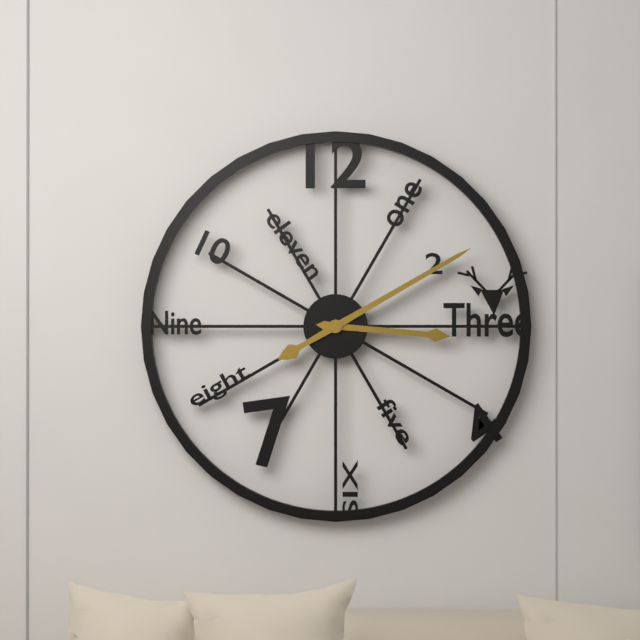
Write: 3:10
